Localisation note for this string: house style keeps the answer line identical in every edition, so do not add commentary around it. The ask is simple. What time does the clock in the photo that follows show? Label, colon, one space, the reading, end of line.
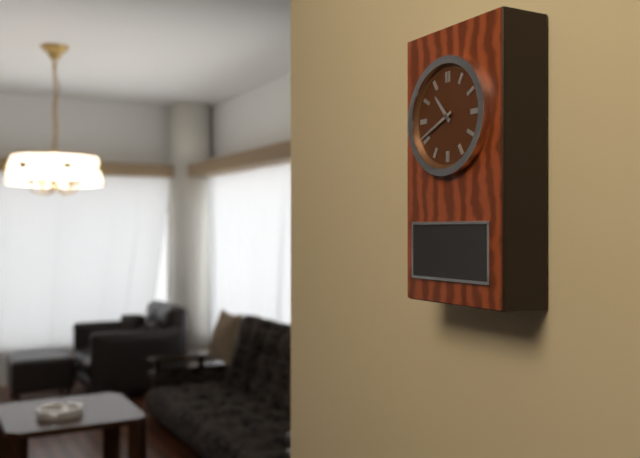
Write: 10:41
